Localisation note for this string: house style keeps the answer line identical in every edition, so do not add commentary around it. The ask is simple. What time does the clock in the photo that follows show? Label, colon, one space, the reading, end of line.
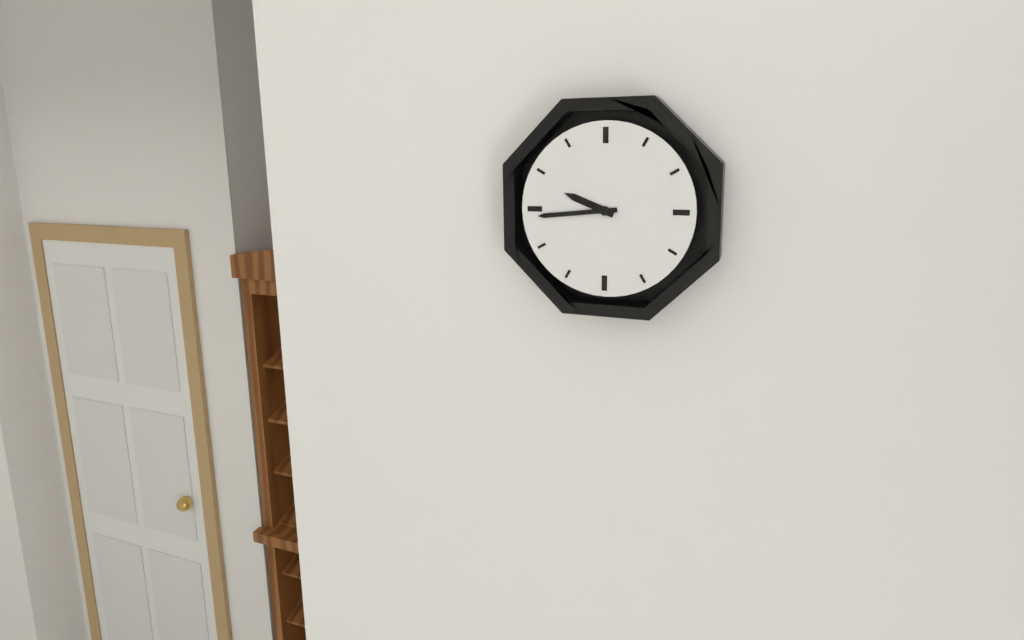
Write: 9:44
